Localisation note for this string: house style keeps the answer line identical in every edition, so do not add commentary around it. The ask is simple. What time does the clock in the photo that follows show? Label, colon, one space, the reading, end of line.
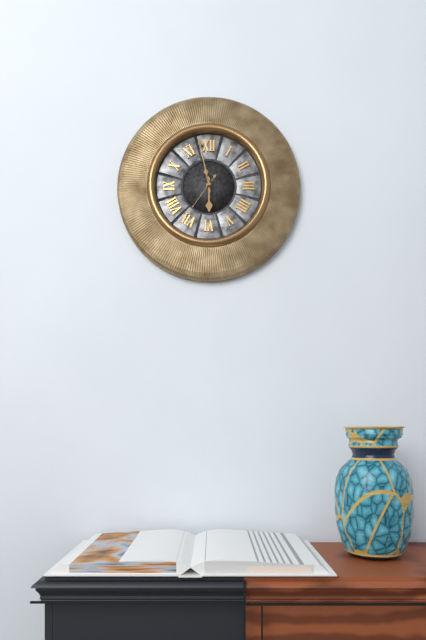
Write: 5:58:36
